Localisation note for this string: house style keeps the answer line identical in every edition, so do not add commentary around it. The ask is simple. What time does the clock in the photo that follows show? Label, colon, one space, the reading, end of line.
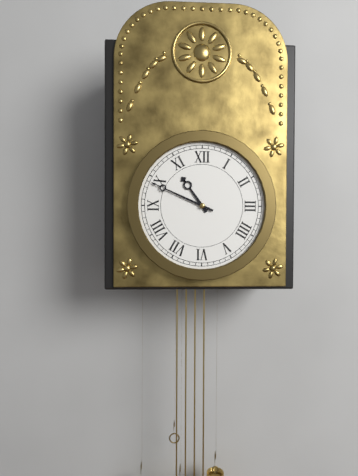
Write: 10:49
